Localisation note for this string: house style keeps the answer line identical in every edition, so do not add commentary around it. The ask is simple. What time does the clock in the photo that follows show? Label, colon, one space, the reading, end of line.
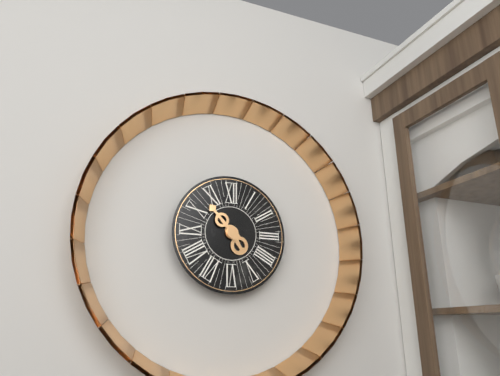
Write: 4:53
